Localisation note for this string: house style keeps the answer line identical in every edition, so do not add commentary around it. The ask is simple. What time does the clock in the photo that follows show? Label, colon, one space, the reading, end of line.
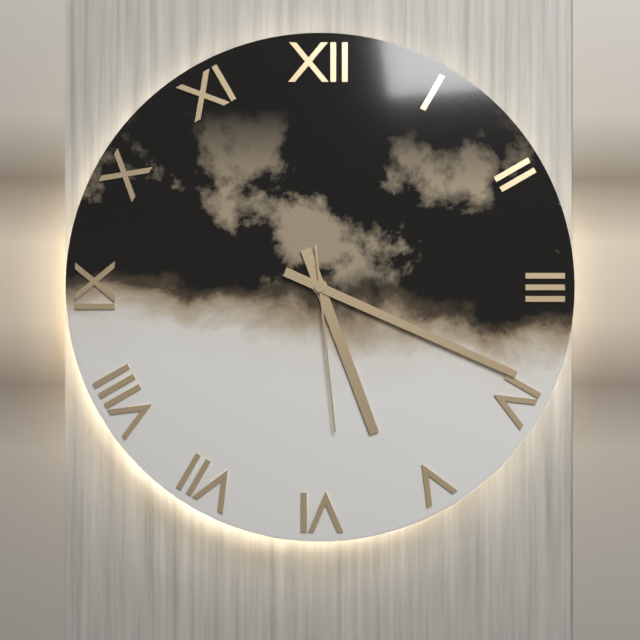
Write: 5:19:29
